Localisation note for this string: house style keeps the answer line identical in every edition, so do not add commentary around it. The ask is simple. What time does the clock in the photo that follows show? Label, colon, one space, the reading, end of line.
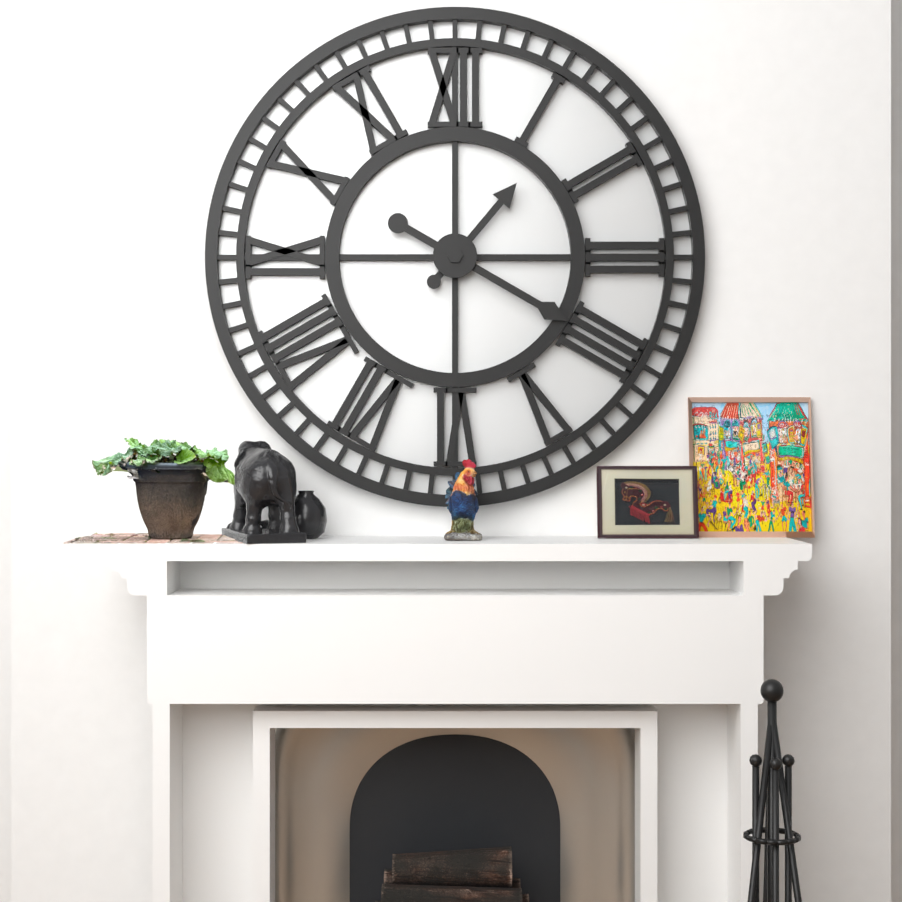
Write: 1:20
